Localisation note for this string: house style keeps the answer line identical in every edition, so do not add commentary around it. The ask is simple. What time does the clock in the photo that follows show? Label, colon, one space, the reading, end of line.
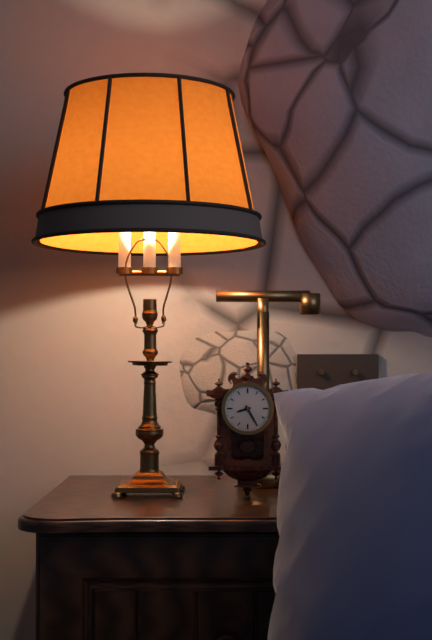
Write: 8:25
